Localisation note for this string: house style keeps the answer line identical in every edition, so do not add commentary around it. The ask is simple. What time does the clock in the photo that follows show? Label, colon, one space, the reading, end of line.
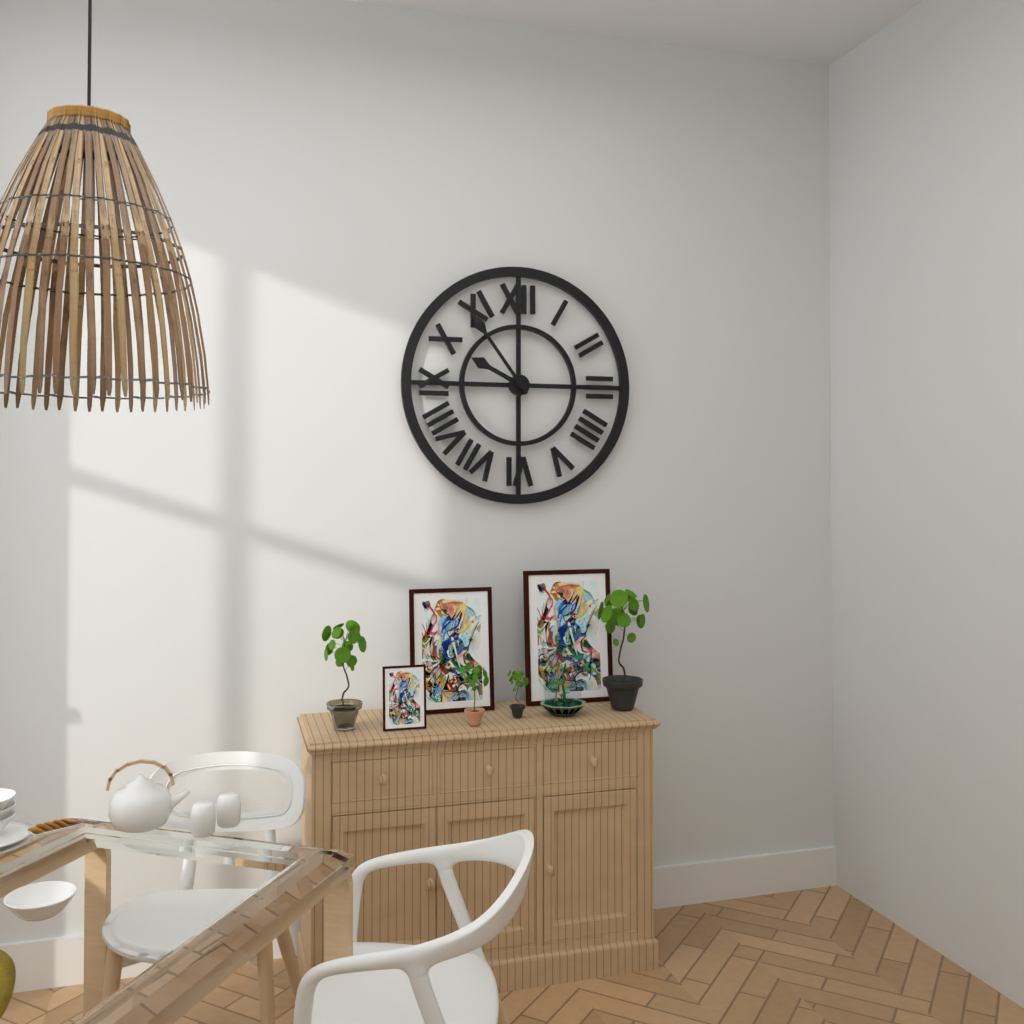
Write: 9:54
